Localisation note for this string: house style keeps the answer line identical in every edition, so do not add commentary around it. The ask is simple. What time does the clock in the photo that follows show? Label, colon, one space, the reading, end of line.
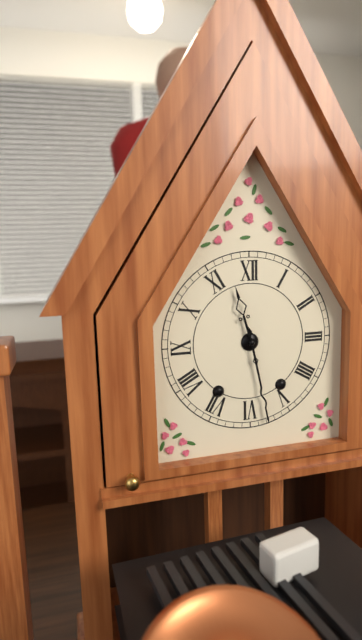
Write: 11:28
